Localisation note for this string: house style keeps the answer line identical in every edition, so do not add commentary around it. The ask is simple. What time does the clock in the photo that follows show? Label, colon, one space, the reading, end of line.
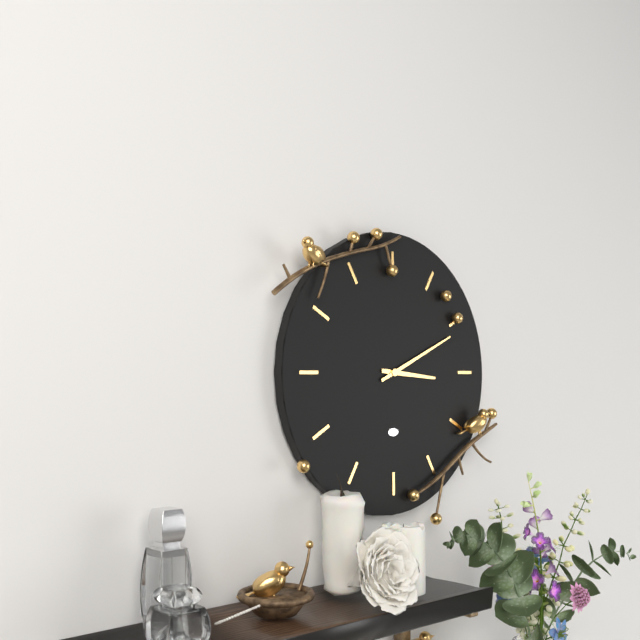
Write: 3:11
